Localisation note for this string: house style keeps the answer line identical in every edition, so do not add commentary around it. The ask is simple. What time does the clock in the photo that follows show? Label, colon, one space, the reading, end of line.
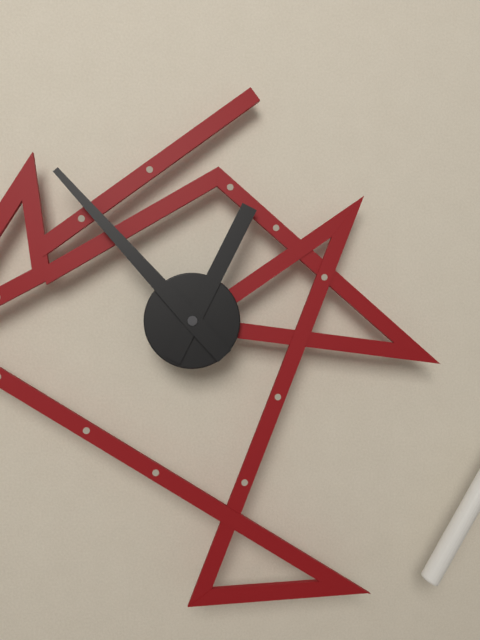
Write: 12:53
